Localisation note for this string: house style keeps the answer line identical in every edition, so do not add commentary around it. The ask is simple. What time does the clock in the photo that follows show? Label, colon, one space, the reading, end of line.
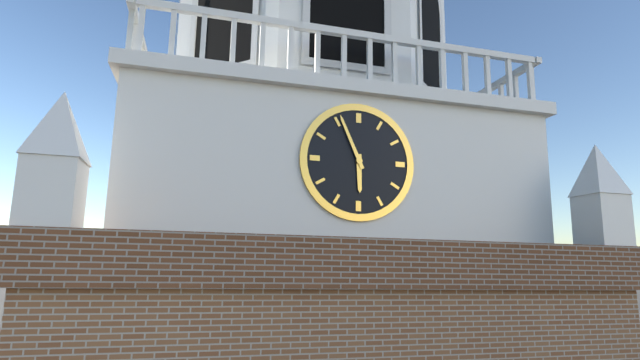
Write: 5:56
